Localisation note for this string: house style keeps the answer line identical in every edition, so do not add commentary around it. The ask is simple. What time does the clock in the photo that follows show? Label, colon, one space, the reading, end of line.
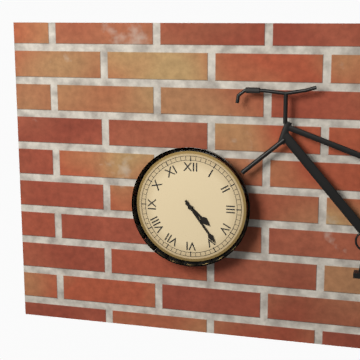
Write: 4:24
